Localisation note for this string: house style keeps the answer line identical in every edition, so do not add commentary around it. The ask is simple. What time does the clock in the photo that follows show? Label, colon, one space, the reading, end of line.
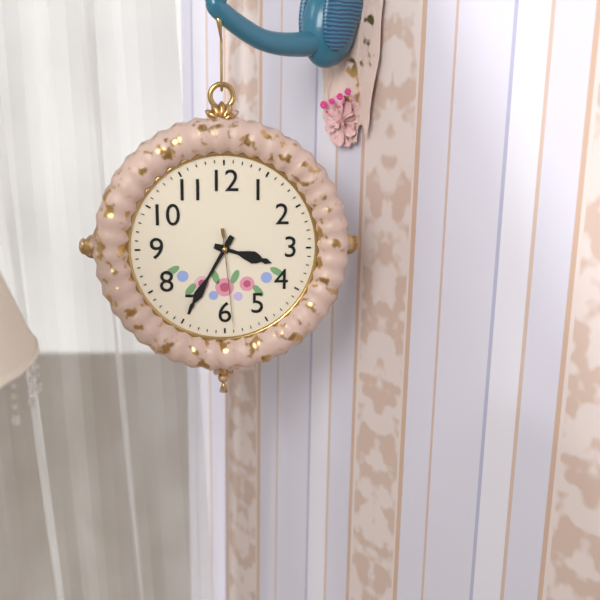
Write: 3:35:29
